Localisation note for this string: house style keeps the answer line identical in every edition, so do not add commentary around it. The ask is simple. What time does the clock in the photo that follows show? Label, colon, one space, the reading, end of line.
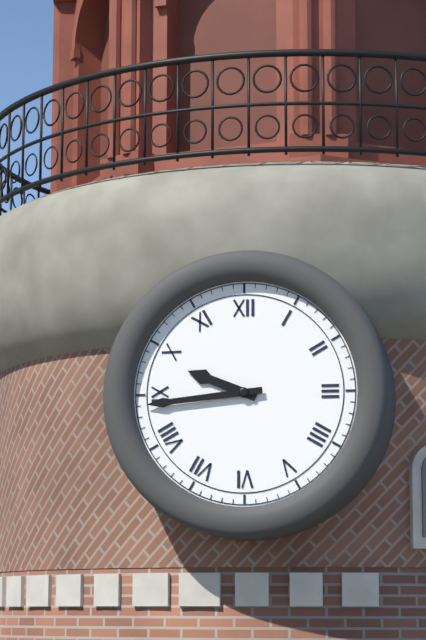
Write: 9:44
